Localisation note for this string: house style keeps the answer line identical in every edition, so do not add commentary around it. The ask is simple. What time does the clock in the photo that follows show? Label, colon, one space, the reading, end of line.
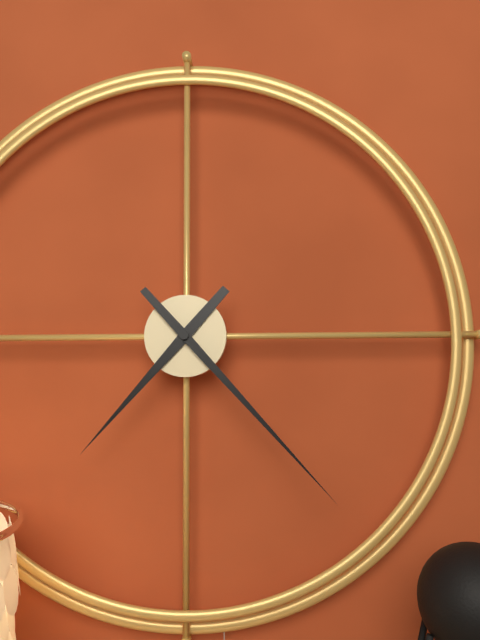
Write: 7:23
